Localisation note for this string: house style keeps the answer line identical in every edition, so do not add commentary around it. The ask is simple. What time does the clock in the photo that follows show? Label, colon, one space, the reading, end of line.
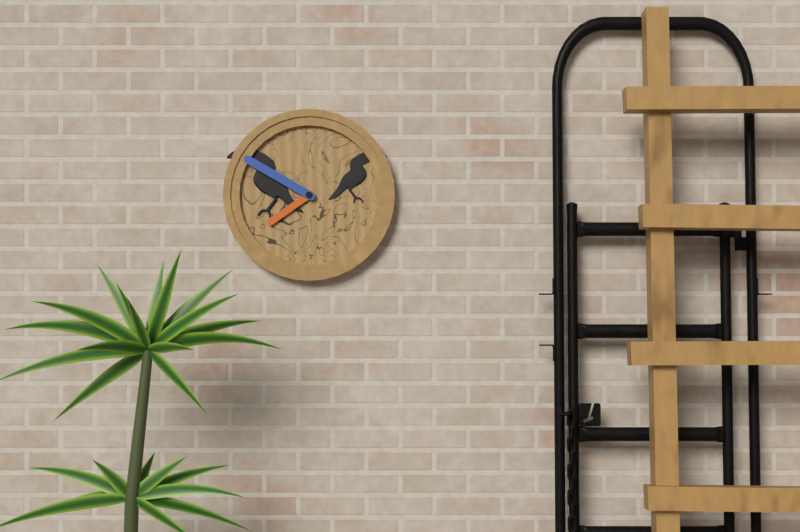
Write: 7:50
